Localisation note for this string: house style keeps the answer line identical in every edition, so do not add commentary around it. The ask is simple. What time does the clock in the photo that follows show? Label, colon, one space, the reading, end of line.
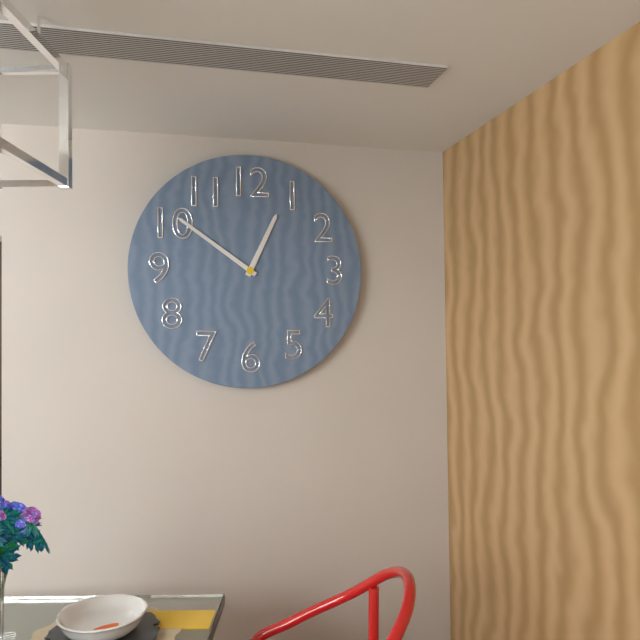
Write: 12:51
